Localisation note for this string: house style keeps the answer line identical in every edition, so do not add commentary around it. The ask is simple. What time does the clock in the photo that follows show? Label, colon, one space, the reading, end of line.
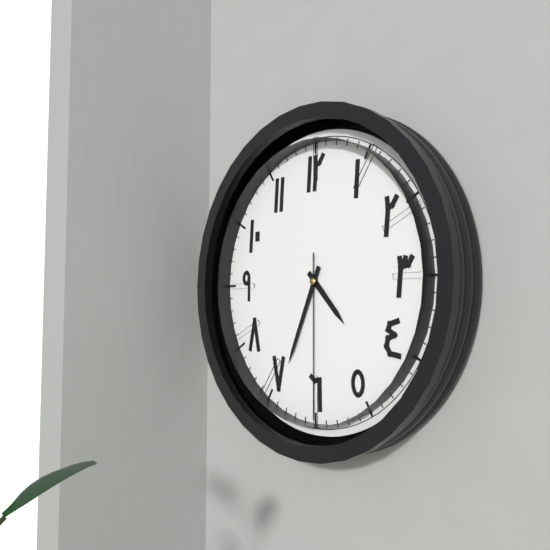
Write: 4:34:30
